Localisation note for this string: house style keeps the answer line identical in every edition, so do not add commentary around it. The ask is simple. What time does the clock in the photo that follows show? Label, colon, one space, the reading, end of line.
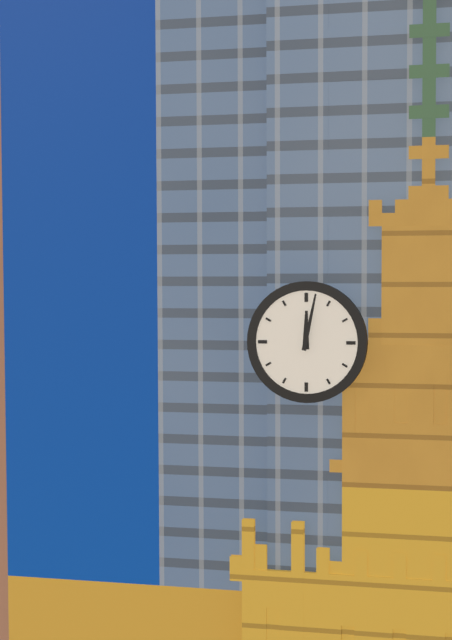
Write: 12:02
